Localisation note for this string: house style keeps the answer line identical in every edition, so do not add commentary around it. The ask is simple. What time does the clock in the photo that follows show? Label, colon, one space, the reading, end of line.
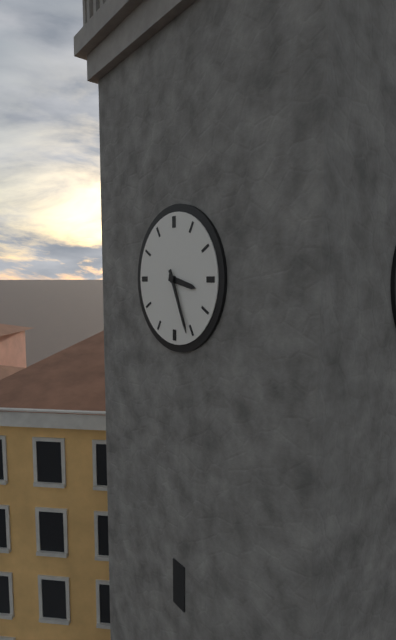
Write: 3:26
